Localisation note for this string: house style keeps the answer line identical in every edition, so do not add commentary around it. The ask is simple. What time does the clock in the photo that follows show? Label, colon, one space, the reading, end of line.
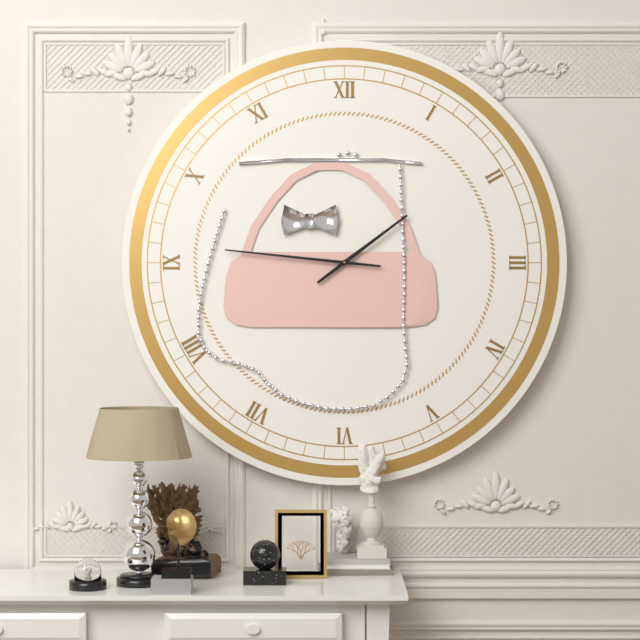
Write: 1:46
